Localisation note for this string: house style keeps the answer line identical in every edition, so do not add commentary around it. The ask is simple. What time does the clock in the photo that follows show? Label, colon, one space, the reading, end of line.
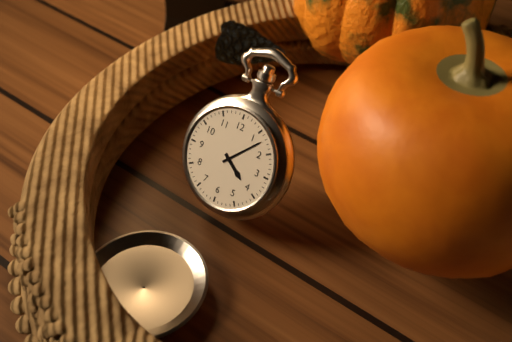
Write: 4:07
